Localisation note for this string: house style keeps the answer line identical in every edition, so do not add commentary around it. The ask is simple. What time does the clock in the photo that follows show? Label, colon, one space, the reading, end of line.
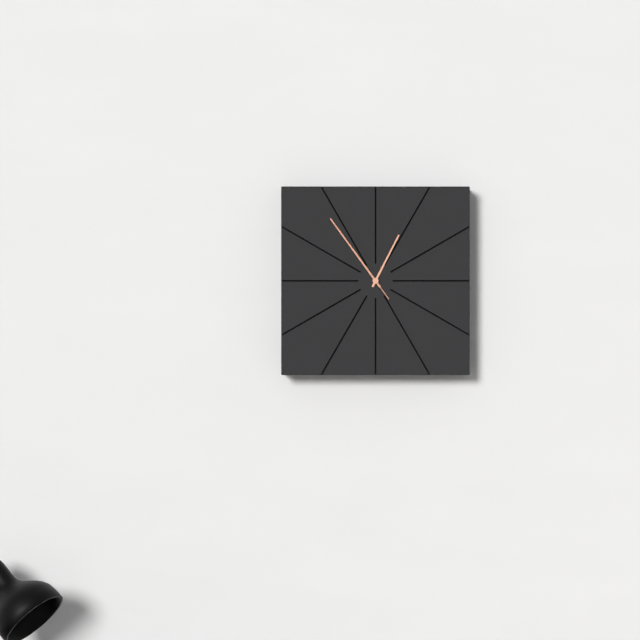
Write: 12:54:54
